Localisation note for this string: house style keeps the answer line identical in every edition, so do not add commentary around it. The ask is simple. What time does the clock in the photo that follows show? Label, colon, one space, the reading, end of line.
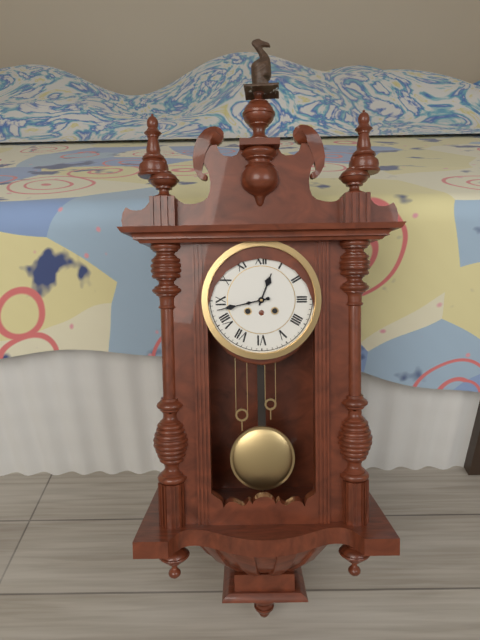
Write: 12:43
